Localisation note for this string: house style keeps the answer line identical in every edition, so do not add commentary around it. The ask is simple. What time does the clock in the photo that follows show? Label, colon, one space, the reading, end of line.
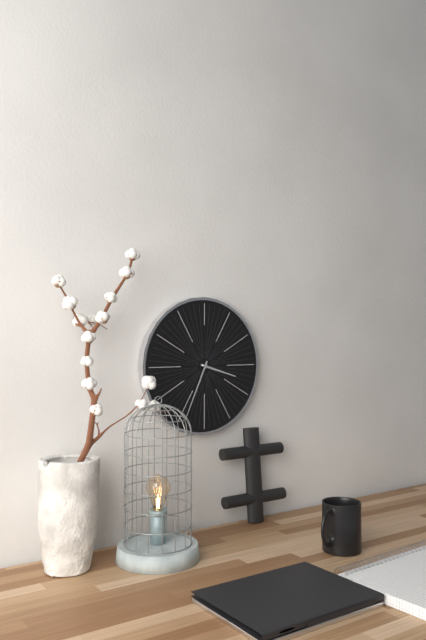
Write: 3:34
